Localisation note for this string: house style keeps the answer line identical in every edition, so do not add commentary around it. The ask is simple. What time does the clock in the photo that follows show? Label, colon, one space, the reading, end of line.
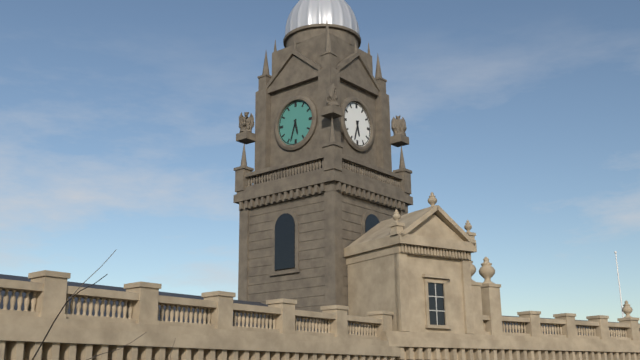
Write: 5:33
